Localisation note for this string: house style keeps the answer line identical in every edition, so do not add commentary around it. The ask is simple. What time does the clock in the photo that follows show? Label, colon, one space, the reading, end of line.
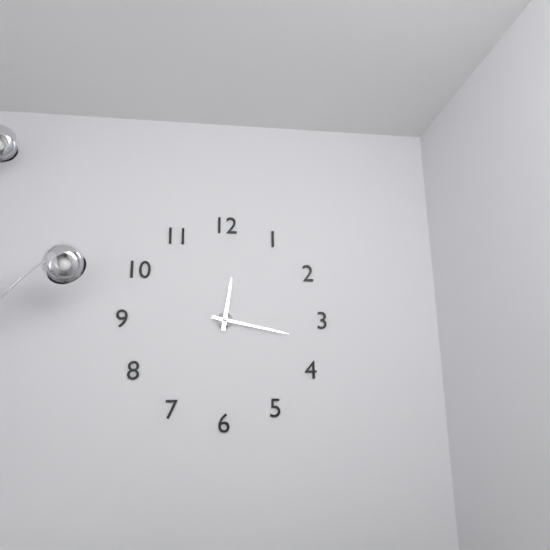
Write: 12:17
